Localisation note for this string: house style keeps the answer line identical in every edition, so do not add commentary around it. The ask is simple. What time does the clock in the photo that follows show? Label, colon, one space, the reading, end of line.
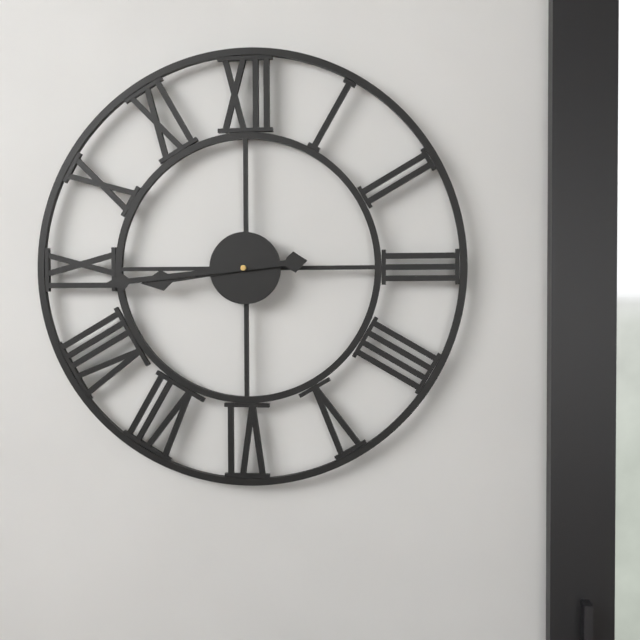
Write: 8:44
